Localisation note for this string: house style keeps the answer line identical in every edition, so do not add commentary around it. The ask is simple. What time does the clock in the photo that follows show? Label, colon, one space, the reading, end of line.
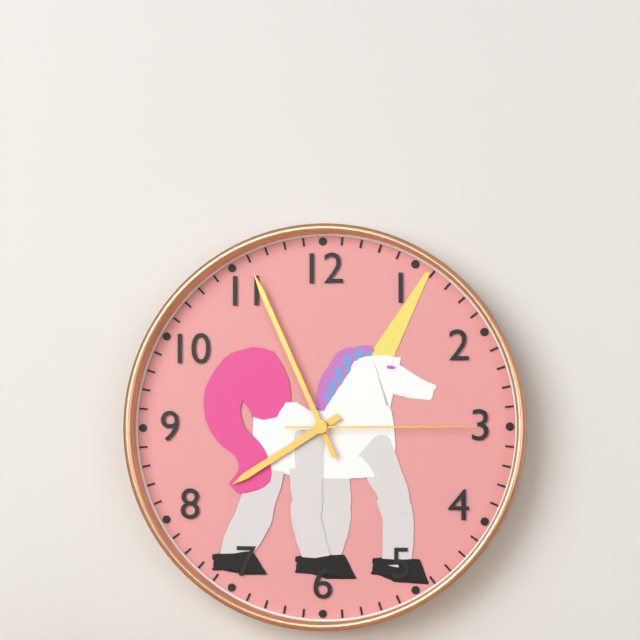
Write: 7:56:15
